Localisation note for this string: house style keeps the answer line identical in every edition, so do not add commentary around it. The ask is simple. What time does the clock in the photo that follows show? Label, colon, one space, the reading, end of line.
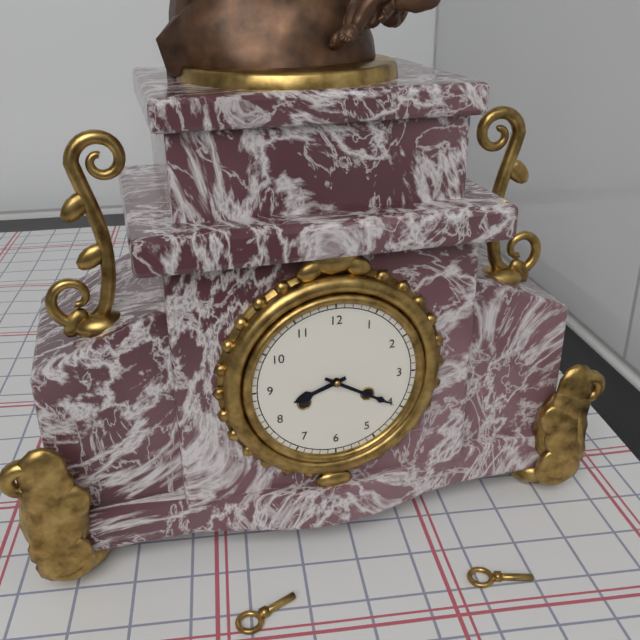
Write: 8:20
